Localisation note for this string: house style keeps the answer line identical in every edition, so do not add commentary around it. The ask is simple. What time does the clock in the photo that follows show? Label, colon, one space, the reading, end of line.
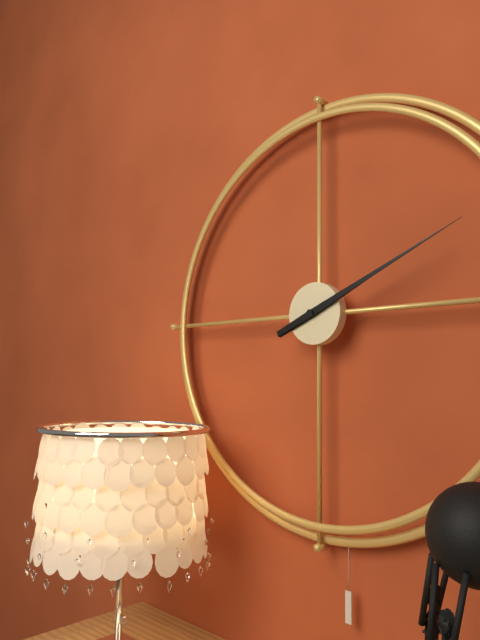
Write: 2:11
